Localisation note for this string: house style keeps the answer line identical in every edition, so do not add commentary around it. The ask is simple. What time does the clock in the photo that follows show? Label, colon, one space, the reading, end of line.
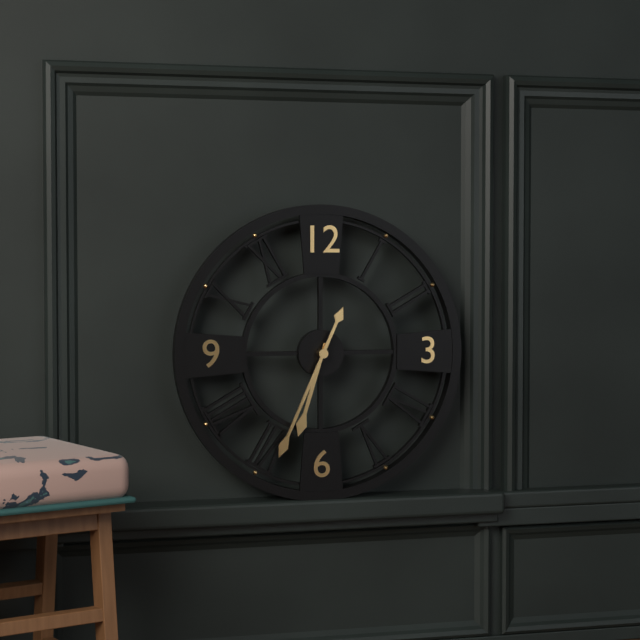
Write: 6:34
